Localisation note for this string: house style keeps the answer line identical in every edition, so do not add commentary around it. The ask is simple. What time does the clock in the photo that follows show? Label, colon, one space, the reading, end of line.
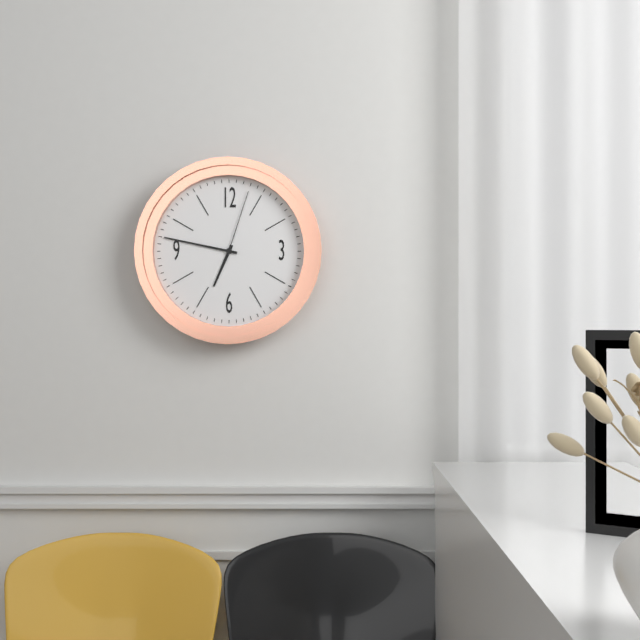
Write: 6:47:03
